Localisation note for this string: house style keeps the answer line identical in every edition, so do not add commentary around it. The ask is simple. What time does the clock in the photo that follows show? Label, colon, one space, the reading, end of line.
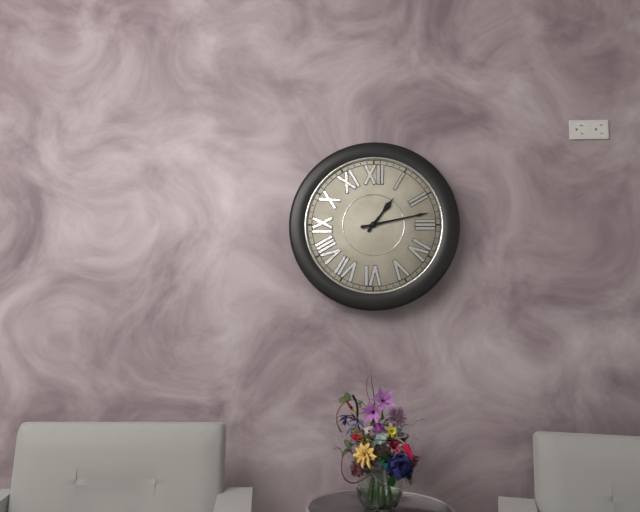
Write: 1:13
